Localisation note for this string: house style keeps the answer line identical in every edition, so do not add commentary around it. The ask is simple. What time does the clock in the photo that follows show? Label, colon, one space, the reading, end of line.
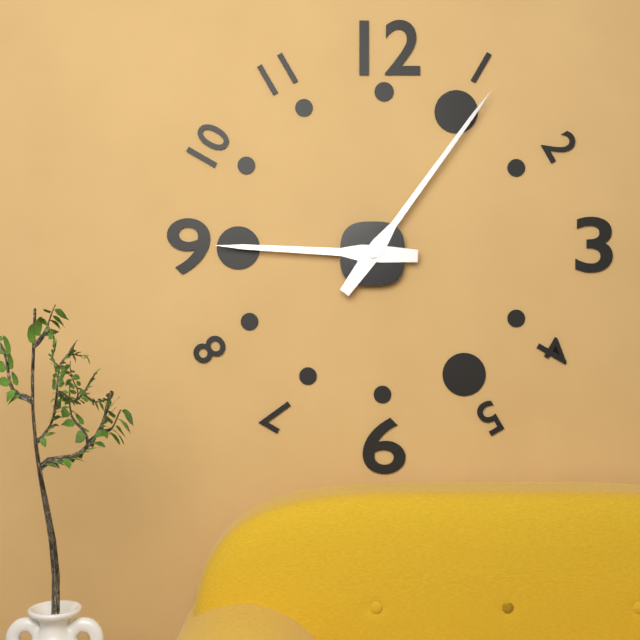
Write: 9:06
